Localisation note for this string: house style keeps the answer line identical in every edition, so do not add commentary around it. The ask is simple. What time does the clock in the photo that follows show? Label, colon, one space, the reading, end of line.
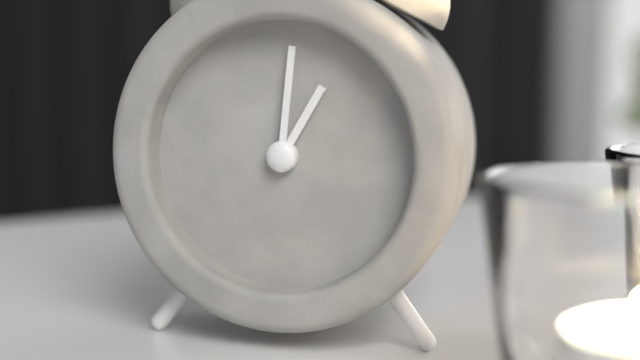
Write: 1:01
